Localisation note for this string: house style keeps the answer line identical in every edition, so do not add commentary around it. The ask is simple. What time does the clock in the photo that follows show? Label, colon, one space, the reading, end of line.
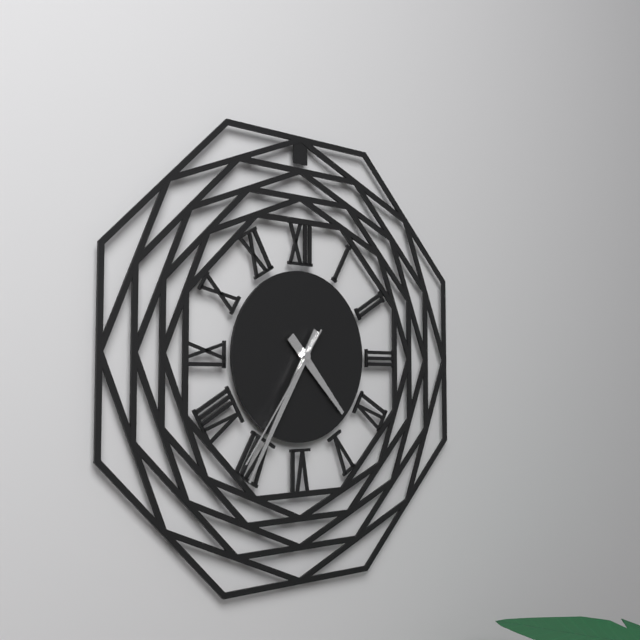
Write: 4:35:36
